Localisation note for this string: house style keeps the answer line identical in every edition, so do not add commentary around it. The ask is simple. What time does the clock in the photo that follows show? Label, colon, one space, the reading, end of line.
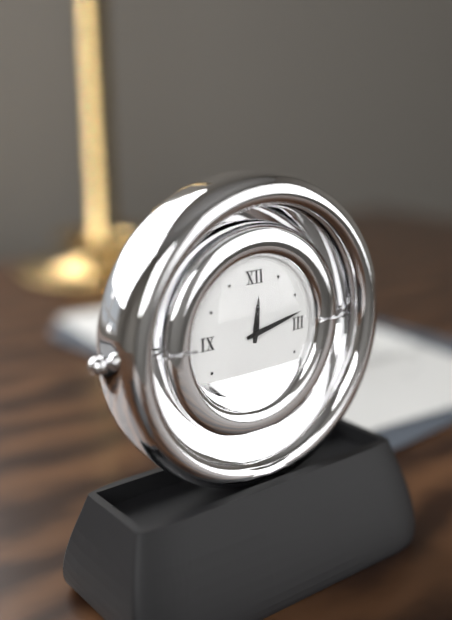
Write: 12:13
